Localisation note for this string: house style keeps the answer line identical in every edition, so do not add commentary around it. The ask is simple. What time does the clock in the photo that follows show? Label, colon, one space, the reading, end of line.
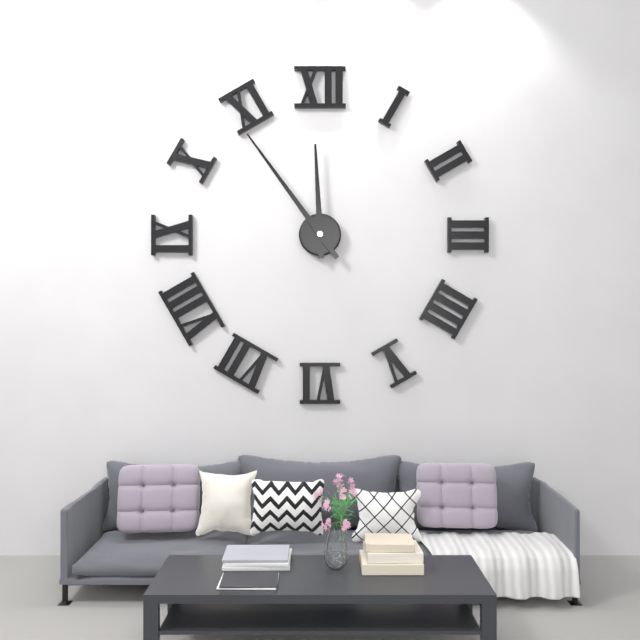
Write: 11:54
